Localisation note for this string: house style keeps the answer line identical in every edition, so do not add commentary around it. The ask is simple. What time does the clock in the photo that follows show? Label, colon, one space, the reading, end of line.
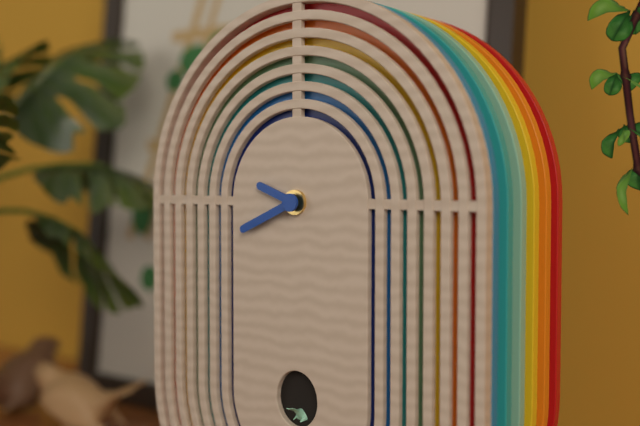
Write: 9:41
